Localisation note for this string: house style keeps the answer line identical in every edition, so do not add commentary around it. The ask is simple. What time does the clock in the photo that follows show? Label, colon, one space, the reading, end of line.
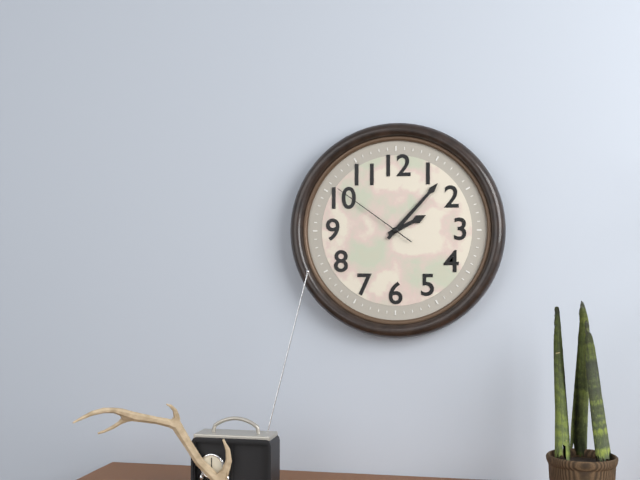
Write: 2:07:51
